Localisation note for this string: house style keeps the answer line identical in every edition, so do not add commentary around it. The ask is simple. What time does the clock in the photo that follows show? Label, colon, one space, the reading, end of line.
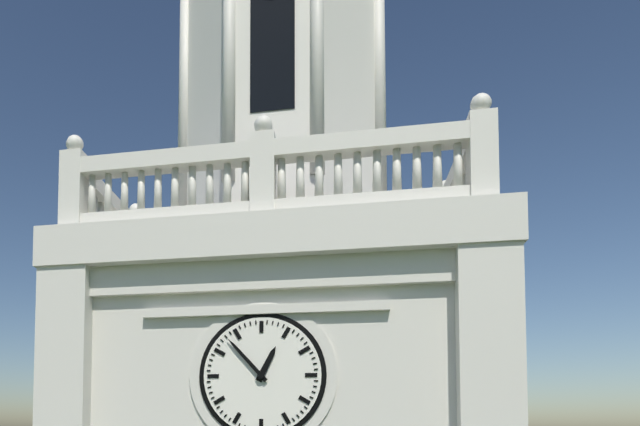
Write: 12:53
